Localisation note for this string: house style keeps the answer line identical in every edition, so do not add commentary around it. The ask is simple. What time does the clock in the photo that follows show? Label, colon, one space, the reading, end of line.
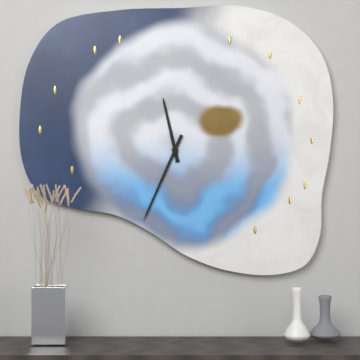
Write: 11:34
